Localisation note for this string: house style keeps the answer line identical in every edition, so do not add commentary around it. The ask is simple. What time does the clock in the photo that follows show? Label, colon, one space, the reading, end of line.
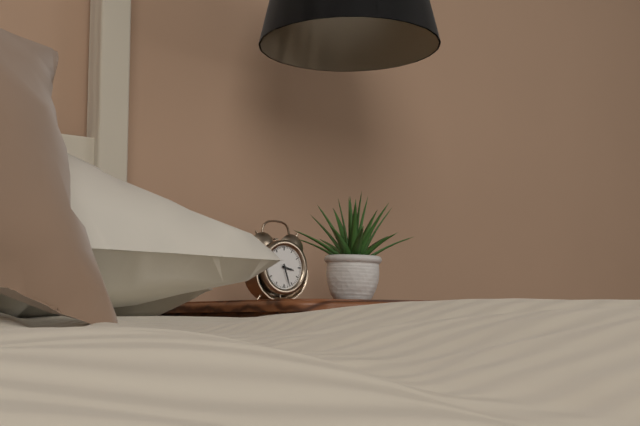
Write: 3:27
